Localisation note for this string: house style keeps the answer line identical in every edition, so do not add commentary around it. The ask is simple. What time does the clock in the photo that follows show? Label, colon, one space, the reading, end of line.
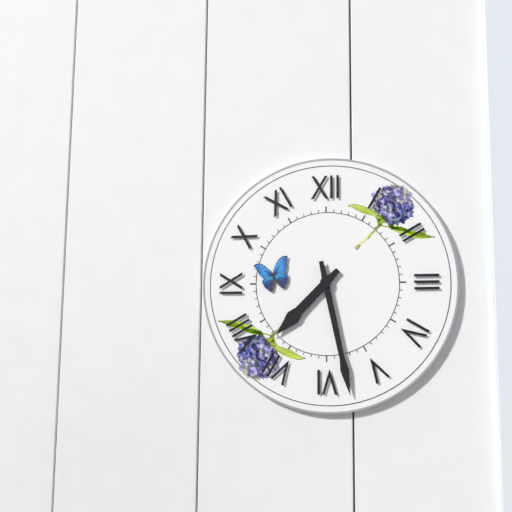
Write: 7:28
